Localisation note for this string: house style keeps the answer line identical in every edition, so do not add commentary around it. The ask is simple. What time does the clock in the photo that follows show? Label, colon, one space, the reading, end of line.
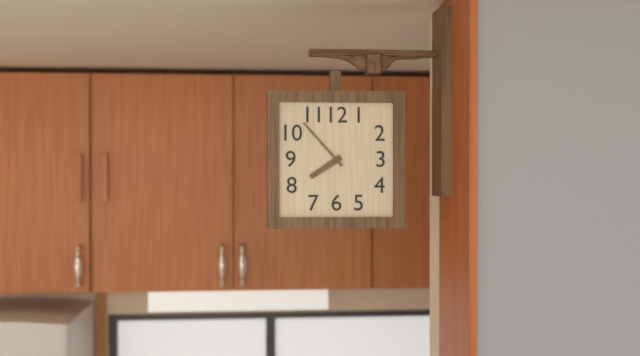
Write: 7:53
